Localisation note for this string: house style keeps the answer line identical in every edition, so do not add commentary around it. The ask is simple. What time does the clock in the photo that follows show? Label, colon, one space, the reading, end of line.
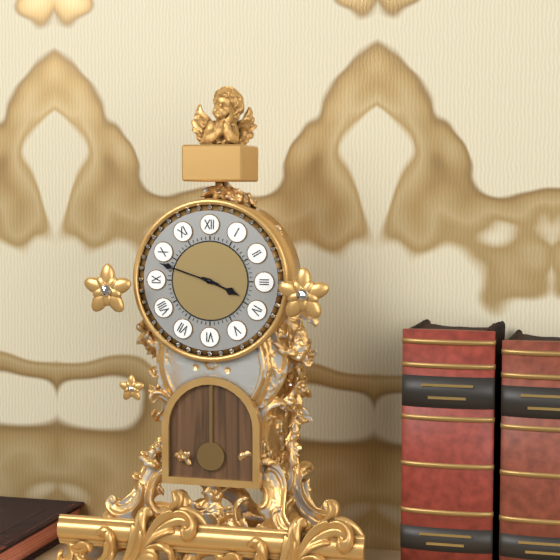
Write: 3:48
